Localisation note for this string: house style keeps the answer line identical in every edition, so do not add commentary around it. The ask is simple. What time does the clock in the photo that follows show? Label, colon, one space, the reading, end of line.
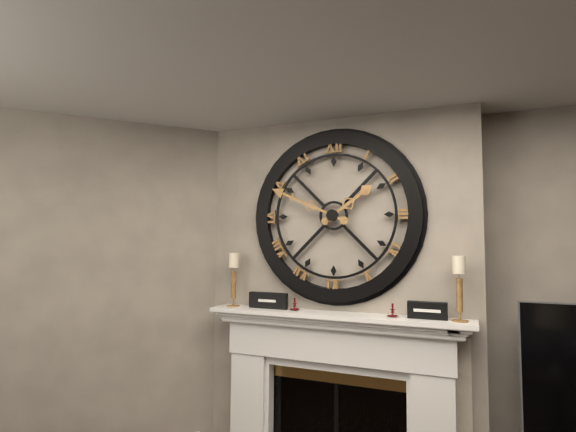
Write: 1:49
